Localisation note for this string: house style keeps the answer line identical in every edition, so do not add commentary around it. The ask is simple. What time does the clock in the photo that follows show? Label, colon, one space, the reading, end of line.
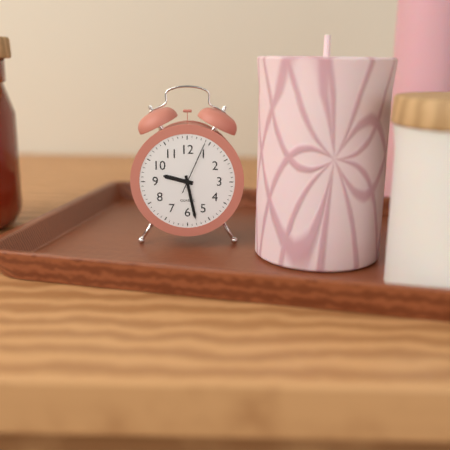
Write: 9:28:04
